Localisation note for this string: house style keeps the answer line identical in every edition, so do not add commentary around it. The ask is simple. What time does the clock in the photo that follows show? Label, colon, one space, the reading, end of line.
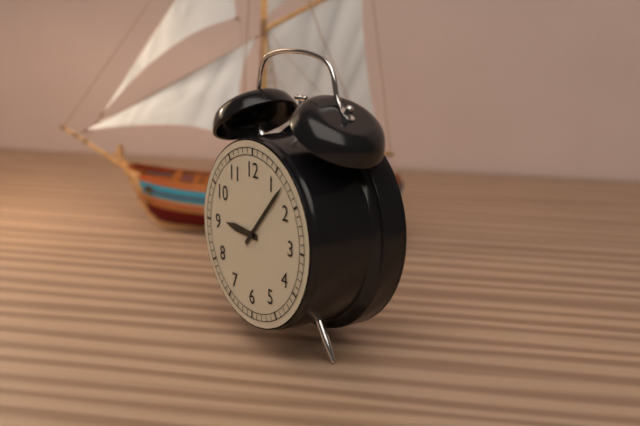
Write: 9:07
